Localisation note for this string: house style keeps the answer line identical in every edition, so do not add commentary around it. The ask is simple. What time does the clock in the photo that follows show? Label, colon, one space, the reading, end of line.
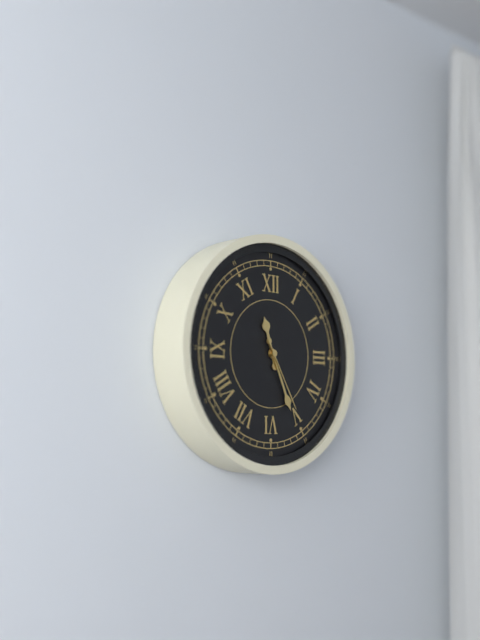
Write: 11:26:25
